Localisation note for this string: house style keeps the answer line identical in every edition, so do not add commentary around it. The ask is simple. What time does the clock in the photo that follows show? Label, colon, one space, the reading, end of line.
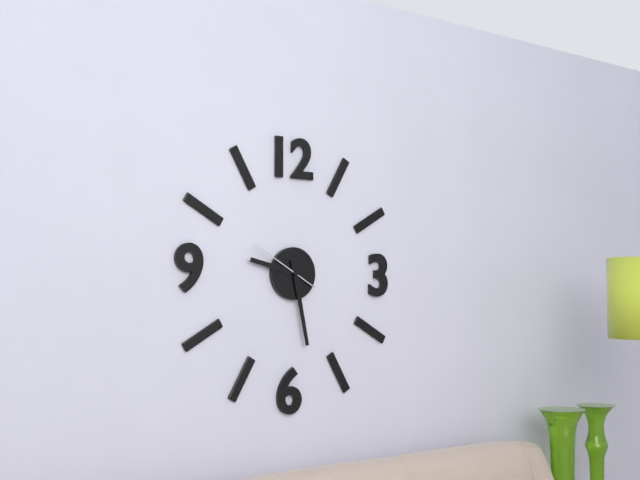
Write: 9:28:50
